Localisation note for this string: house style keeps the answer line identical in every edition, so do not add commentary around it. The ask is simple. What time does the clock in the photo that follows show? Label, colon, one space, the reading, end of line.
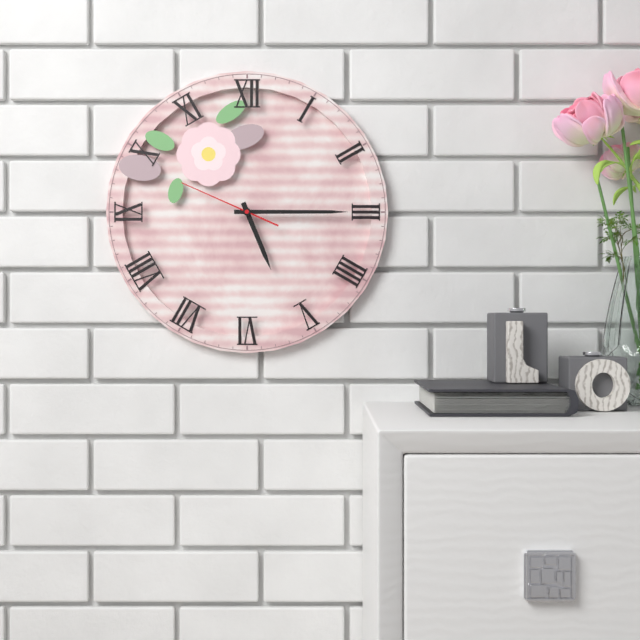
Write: 5:15:49
